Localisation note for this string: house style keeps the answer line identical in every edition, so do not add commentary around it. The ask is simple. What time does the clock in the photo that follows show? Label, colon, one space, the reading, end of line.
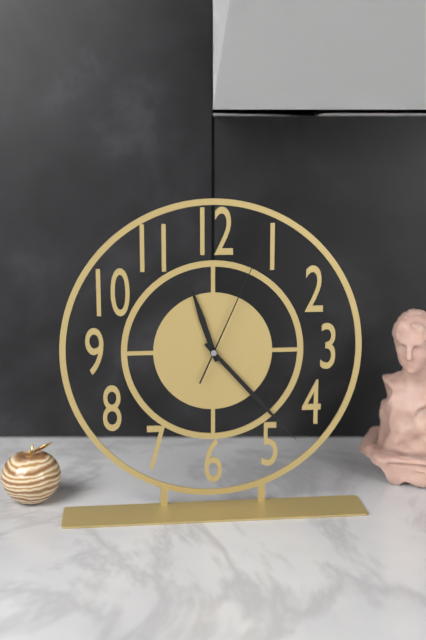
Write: 11:23:04
